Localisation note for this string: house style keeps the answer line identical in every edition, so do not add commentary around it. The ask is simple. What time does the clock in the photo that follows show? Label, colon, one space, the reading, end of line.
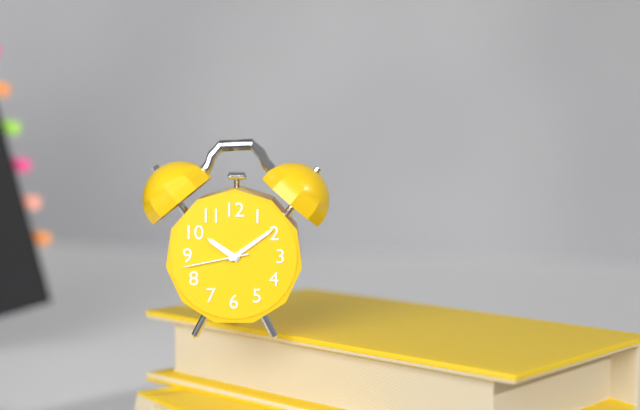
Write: 10:09:43
